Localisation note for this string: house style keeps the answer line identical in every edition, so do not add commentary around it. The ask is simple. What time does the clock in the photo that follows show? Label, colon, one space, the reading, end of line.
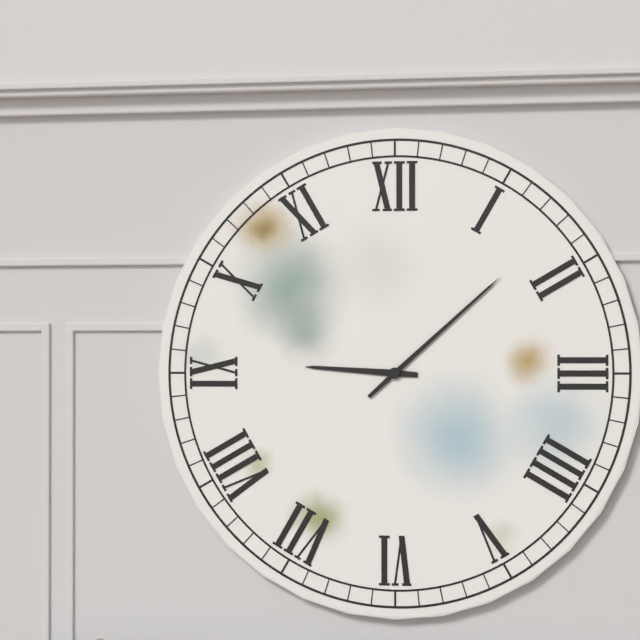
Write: 9:08
